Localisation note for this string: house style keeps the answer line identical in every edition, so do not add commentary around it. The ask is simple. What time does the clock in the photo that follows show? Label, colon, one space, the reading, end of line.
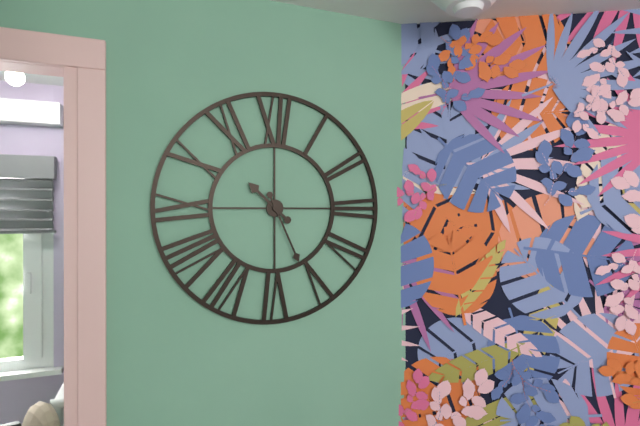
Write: 10:26
